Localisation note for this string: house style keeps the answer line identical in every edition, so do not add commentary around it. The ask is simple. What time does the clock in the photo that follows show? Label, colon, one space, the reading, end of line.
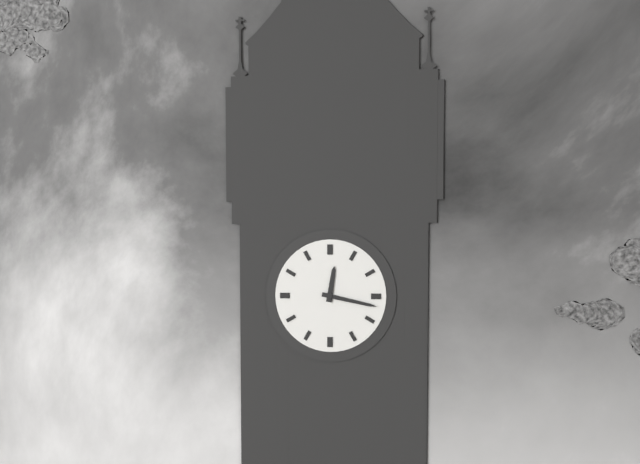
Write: 12:17
